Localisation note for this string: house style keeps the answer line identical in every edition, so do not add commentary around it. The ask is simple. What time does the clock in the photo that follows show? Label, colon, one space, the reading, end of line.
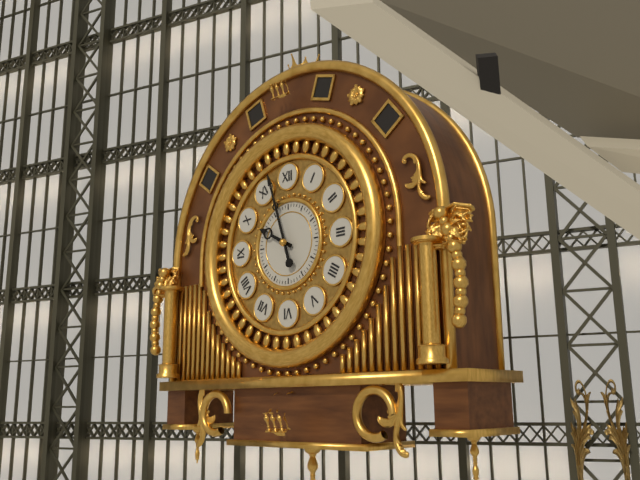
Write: 9:57
